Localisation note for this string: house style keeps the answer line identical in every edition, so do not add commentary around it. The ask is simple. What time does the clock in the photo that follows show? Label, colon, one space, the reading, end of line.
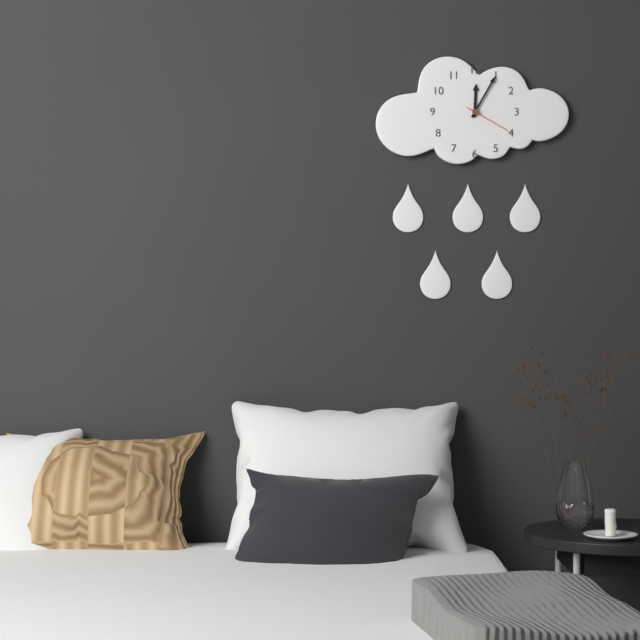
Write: 12:05
